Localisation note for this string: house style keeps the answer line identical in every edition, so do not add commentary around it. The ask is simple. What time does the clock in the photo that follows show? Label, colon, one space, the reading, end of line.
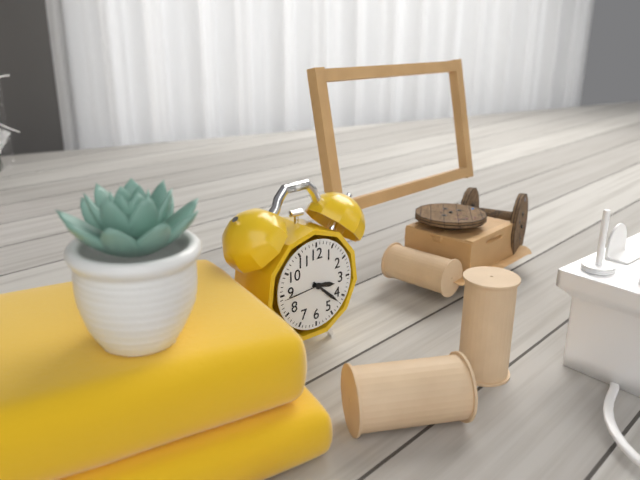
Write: 3:22
